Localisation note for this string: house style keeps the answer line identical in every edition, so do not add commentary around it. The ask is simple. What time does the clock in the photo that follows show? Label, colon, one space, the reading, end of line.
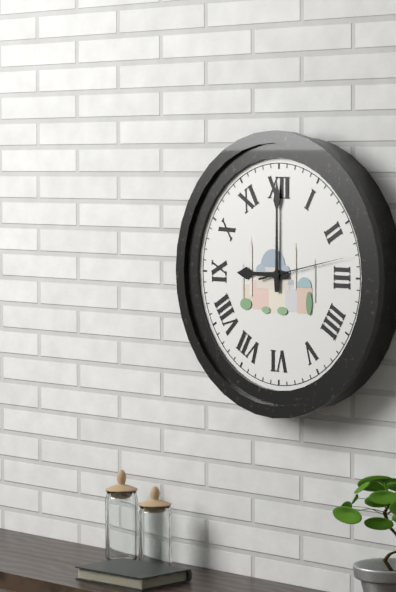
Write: 9:00:13
